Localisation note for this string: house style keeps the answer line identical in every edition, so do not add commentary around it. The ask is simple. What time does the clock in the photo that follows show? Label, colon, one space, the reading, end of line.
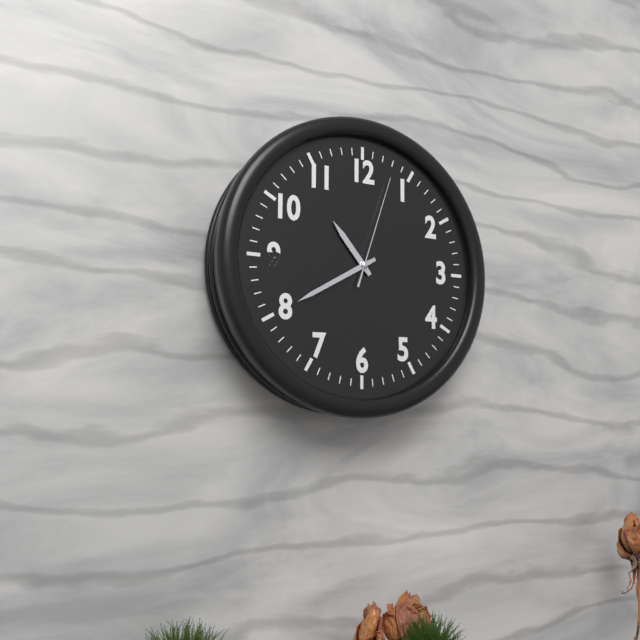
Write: 10:40:03
